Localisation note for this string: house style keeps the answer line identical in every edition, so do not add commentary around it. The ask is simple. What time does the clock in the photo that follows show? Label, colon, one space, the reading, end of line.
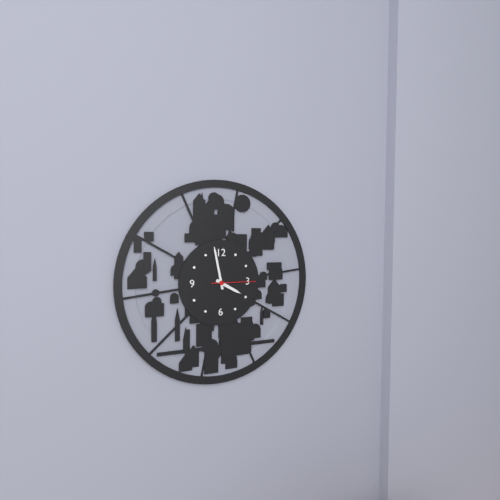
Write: 3:58
